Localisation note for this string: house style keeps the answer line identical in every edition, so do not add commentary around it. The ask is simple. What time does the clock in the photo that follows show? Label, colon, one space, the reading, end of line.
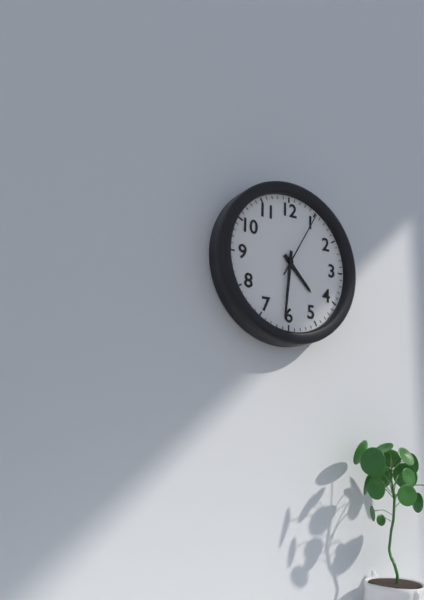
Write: 4:31:05
